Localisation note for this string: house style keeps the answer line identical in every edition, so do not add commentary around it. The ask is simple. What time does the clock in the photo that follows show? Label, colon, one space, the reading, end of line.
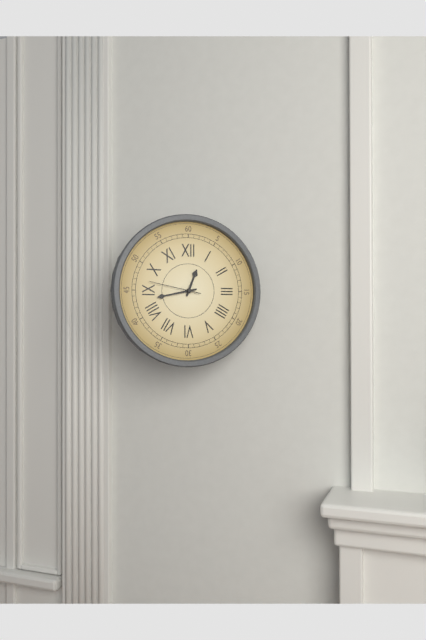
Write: 12:43:47
